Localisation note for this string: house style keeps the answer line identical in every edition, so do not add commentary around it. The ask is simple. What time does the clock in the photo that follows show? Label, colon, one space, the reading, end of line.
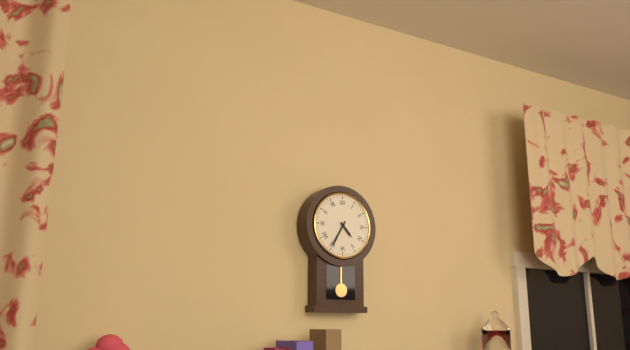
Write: 4:35
